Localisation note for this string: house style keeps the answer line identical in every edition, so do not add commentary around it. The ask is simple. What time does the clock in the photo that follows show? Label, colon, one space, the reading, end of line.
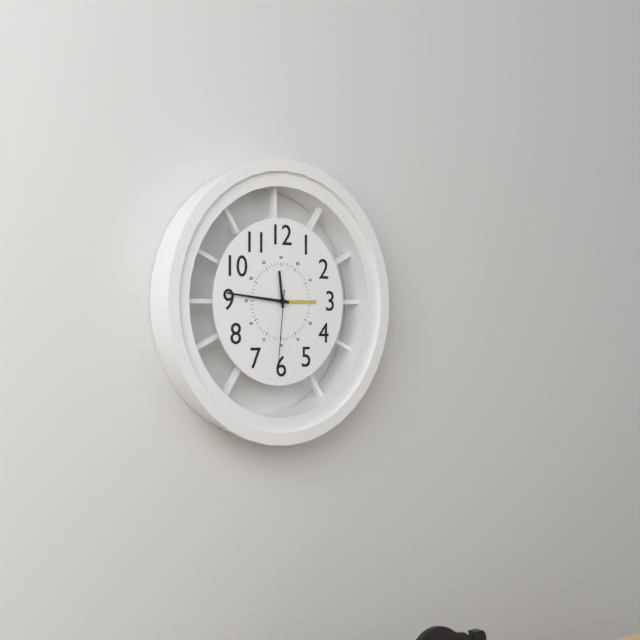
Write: 11:46:31
